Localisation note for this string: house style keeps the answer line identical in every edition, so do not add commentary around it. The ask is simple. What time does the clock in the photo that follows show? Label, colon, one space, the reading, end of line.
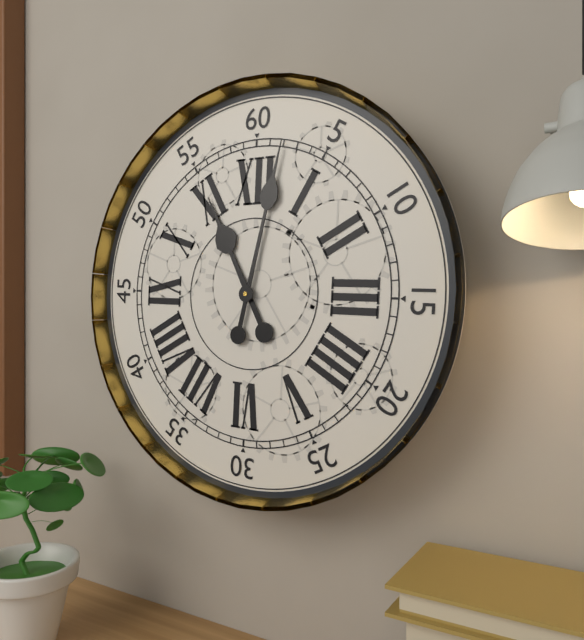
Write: 11:02
